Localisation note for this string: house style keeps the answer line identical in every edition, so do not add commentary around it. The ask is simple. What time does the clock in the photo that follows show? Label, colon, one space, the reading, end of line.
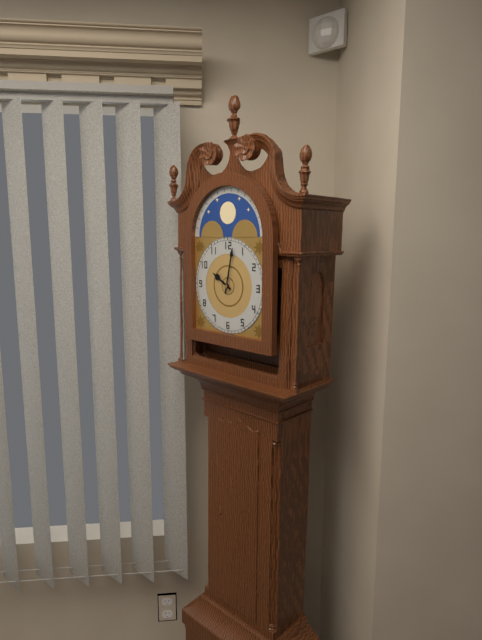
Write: 10:02
